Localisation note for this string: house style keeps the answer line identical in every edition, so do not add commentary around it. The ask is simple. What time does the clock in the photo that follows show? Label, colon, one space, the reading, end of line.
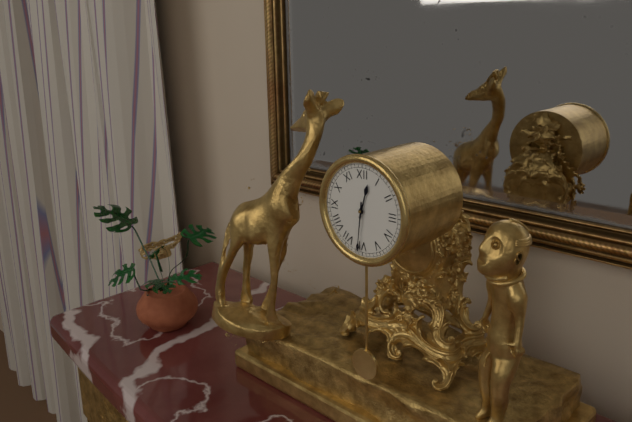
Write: 12:31
